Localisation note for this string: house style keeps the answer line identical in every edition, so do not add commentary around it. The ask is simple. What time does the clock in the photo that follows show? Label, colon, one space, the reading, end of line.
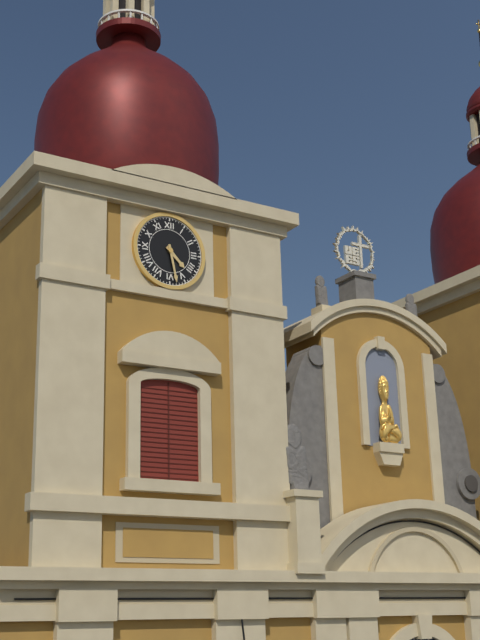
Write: 4:28
